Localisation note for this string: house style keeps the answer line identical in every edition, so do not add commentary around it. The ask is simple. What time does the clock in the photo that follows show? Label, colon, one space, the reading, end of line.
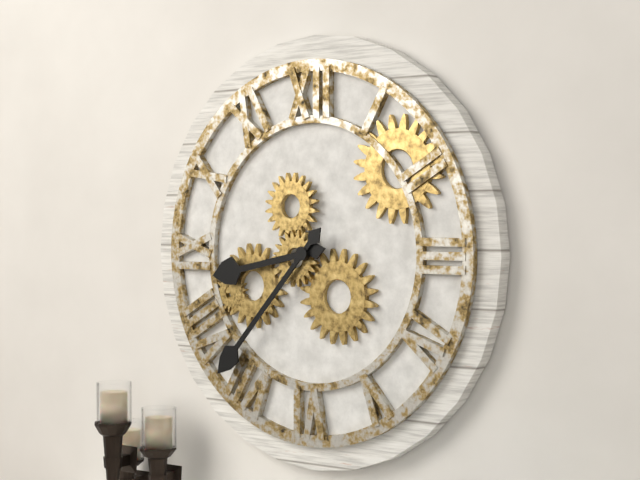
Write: 8:37
